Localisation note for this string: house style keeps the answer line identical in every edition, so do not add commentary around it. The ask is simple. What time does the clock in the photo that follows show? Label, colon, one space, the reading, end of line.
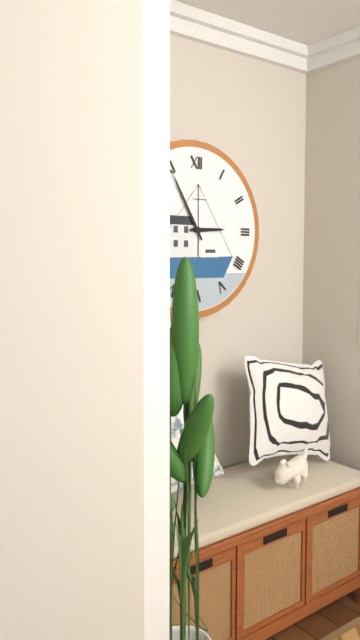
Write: 2:55
